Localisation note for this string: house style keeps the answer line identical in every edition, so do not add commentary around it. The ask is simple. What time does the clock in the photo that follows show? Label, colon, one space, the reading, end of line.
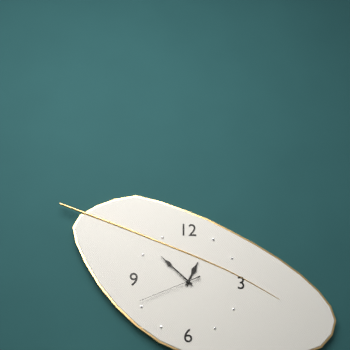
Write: 12:52:41
